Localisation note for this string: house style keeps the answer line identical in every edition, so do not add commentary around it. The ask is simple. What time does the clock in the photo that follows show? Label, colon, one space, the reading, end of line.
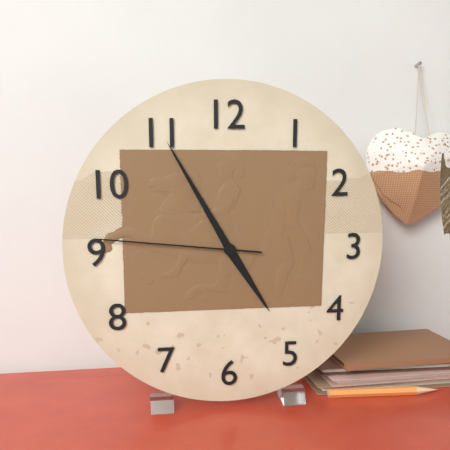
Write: 4:55:46
